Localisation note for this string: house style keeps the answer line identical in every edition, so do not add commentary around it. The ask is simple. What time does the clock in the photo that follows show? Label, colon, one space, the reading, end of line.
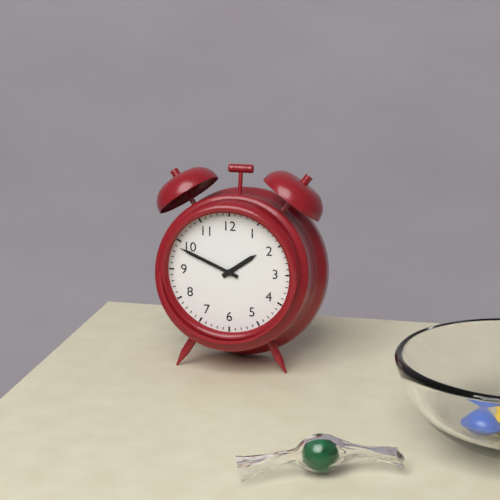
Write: 1:49
